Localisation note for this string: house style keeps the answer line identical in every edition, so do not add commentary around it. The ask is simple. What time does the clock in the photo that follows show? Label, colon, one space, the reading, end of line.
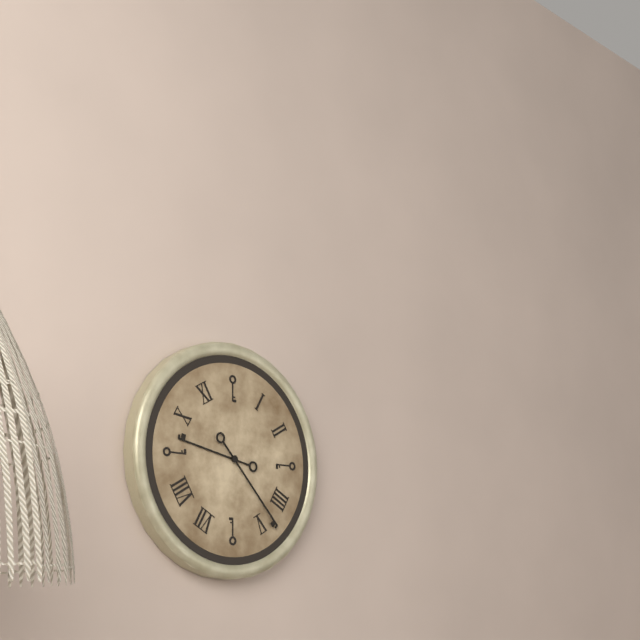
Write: 9:23
